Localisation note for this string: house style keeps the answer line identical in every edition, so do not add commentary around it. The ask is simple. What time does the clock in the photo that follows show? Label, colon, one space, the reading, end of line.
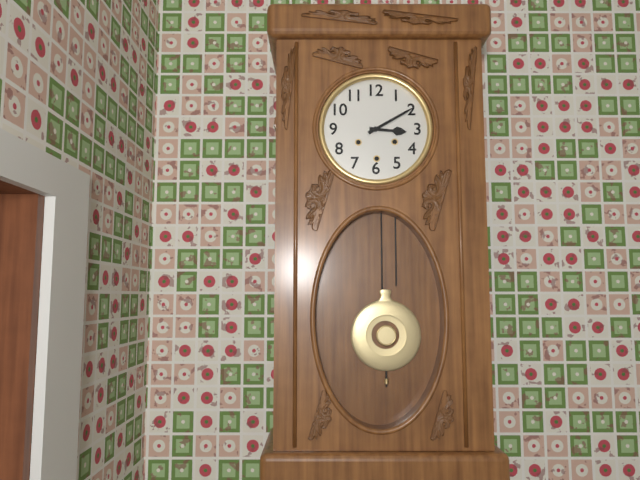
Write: 3:10
